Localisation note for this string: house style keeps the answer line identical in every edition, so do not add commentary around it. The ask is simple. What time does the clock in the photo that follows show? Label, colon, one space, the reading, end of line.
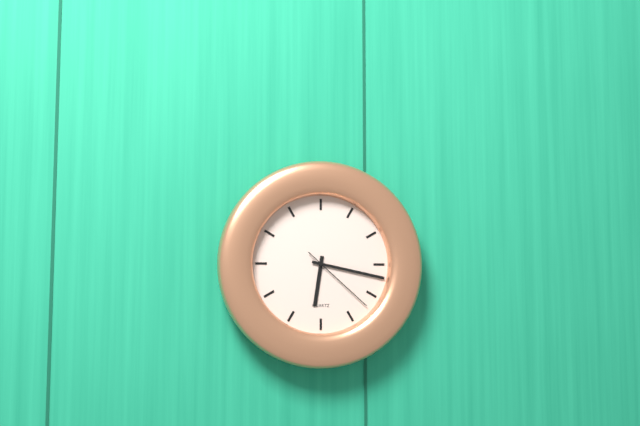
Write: 6:17:22
